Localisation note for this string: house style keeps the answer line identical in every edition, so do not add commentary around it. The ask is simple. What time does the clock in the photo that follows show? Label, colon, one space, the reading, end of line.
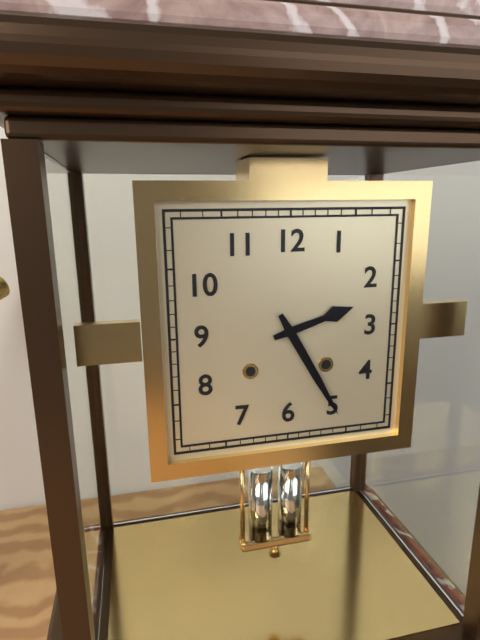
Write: 2:25
